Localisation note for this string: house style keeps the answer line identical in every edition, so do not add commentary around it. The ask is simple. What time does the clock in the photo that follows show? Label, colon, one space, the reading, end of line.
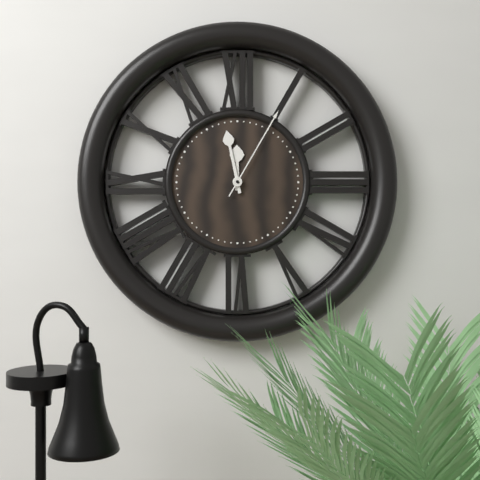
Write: 11:58:05
